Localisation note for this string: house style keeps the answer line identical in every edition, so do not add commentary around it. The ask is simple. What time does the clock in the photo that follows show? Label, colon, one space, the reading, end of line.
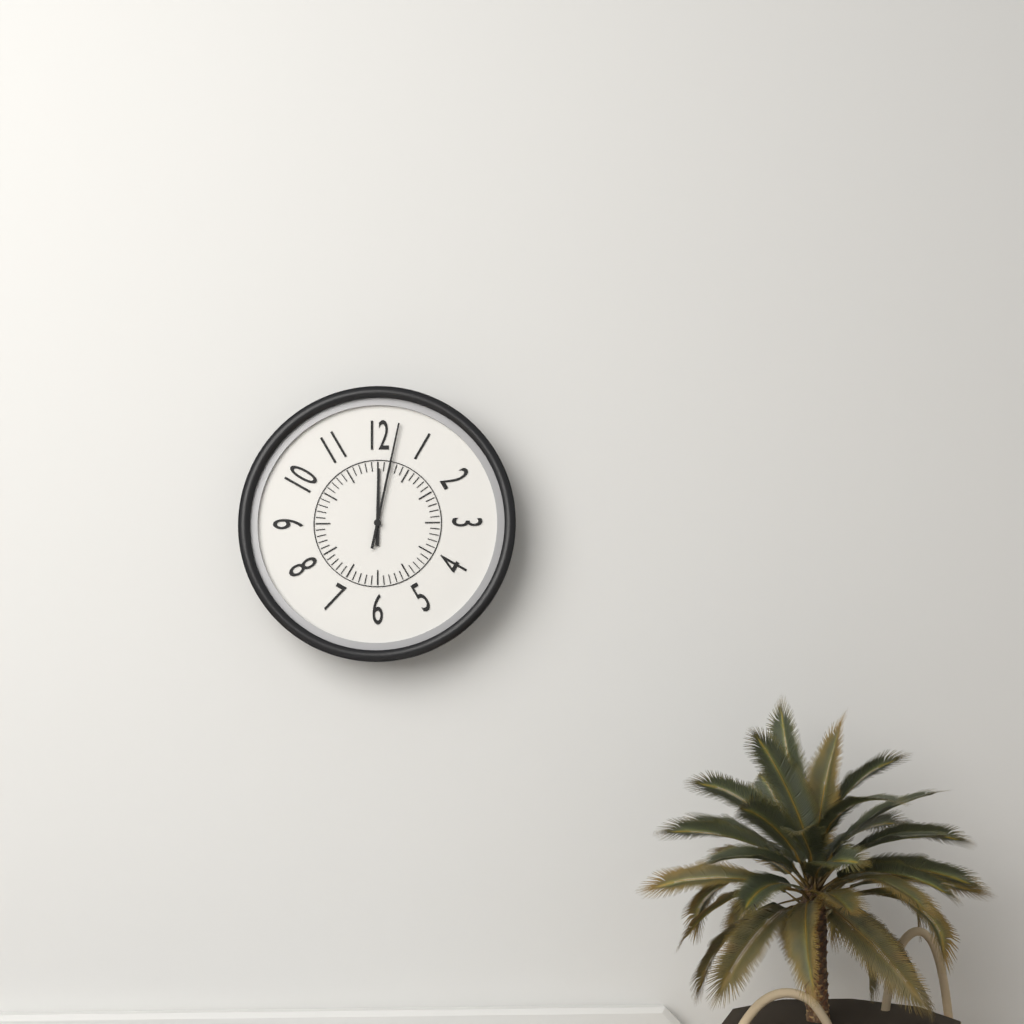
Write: 12:02
